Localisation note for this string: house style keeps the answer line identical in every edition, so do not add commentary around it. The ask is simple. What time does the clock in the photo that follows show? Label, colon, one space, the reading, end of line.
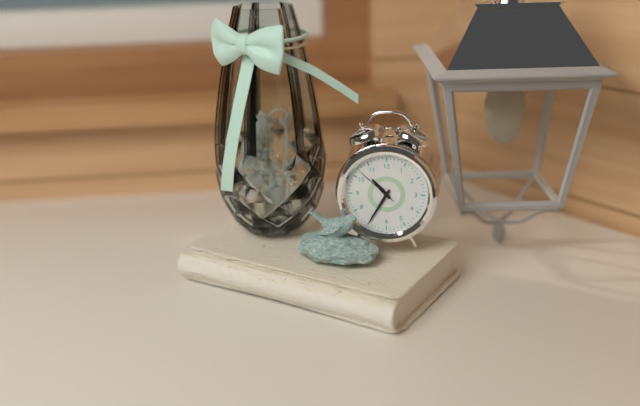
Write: 10:35
